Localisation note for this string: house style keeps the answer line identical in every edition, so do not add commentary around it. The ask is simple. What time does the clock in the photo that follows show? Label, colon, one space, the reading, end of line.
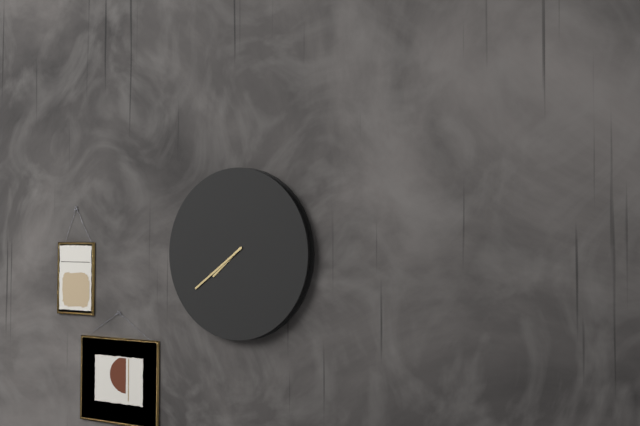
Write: 7:39
